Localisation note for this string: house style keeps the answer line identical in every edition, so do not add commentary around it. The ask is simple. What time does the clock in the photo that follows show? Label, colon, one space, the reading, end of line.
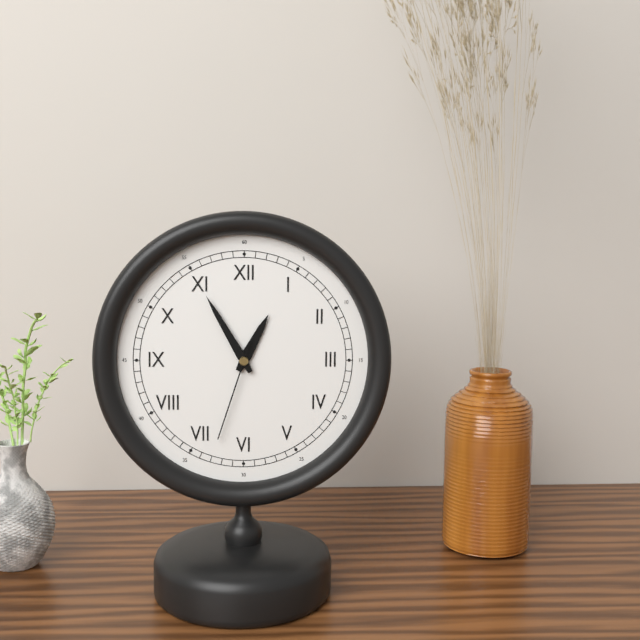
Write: 12:55:33
